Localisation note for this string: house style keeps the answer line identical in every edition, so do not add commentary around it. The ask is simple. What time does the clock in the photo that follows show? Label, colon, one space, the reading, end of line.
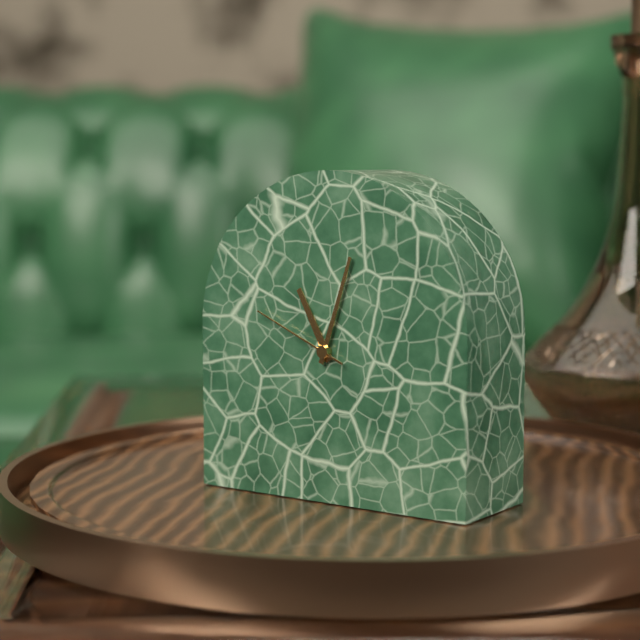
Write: 11:03:49
